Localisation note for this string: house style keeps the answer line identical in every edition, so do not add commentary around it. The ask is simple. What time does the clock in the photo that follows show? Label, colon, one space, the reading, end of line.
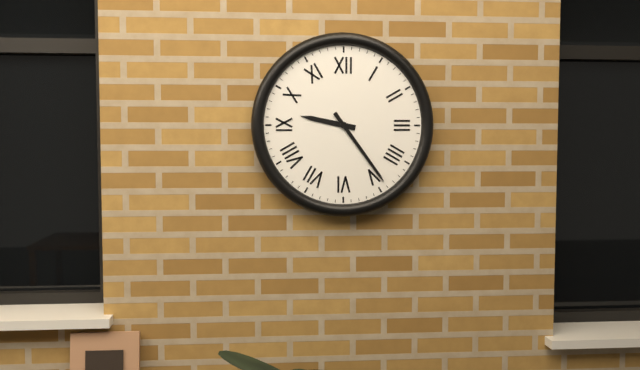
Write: 9:24
